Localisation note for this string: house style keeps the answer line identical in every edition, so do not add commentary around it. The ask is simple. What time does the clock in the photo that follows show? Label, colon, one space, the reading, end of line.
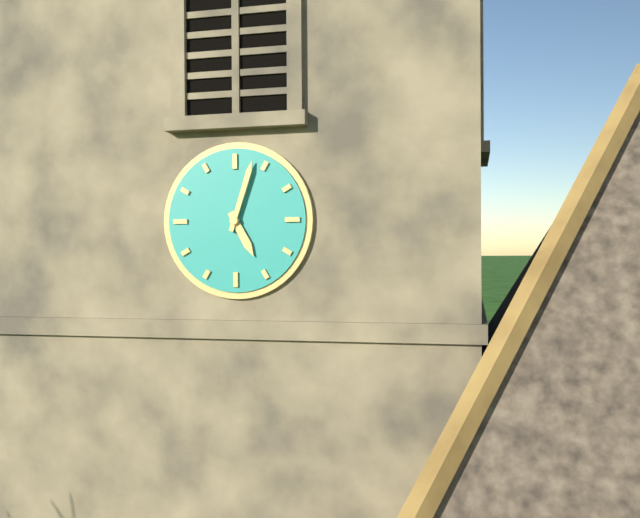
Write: 5:03
